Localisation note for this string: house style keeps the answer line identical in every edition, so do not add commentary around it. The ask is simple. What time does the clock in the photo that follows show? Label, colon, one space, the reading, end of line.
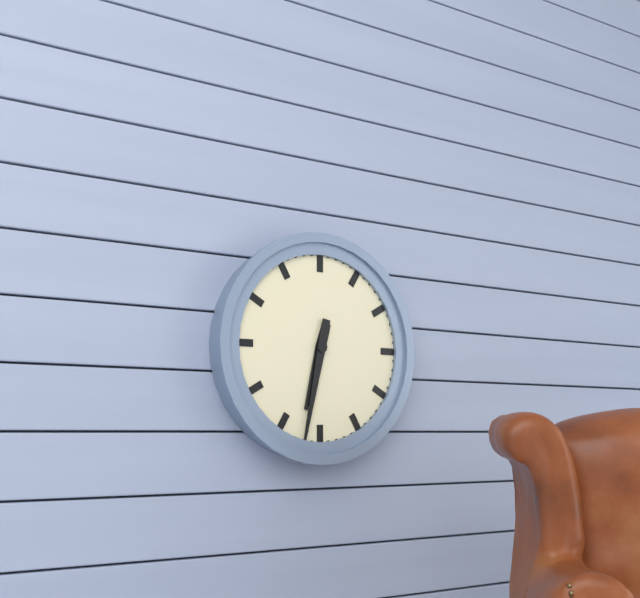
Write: 6:32
